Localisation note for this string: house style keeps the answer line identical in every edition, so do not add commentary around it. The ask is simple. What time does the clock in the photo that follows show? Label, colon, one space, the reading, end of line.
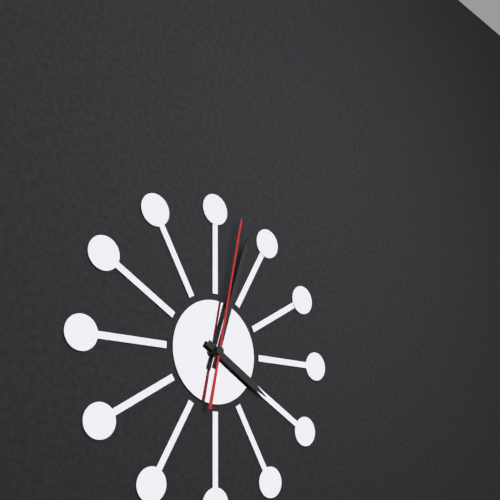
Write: 4:03:02
